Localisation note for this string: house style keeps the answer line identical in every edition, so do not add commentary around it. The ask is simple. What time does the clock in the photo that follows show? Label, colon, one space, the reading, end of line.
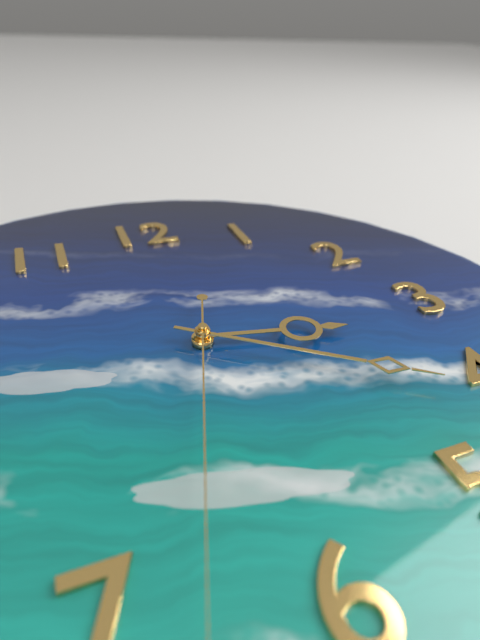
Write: 3:21
